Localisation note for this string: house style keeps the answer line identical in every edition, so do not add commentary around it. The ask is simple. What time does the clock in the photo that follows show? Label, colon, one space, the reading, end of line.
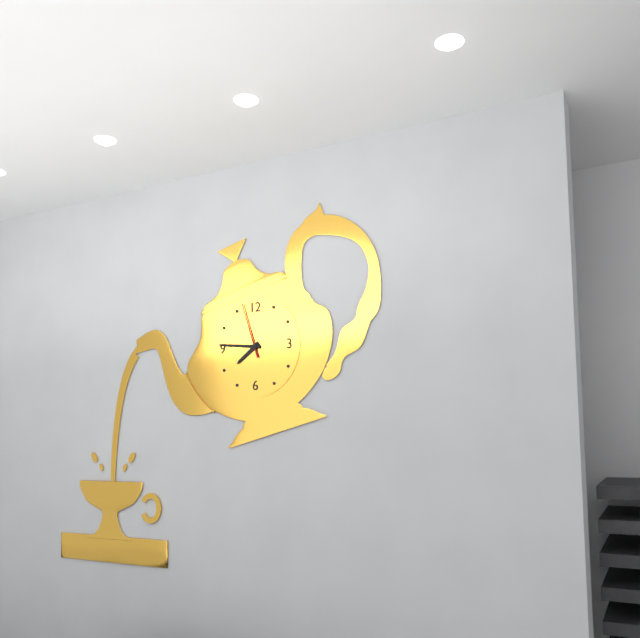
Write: 7:46:57
